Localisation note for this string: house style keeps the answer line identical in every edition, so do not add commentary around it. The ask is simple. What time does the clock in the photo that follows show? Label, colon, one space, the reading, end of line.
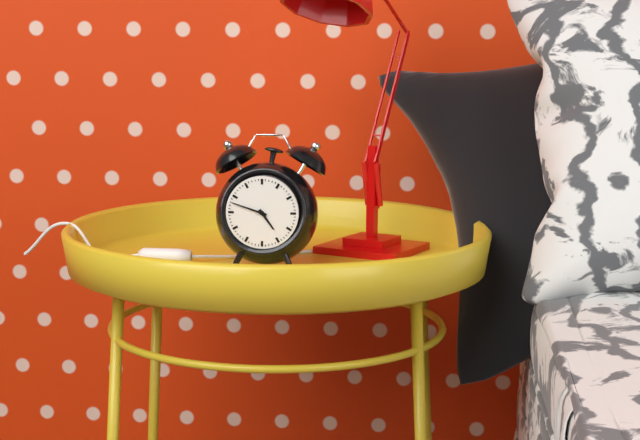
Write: 4:48
